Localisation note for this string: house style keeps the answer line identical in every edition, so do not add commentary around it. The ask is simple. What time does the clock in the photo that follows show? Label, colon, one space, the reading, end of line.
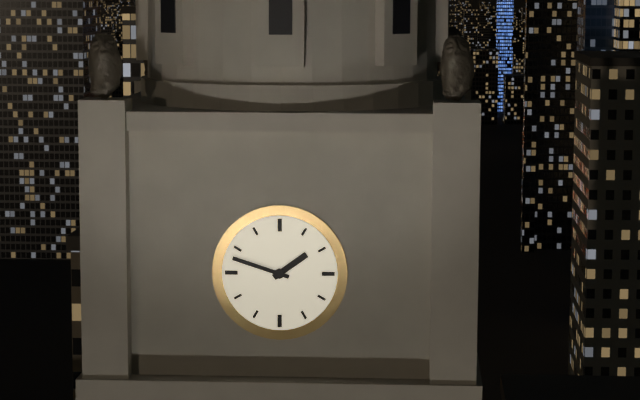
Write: 1:48
